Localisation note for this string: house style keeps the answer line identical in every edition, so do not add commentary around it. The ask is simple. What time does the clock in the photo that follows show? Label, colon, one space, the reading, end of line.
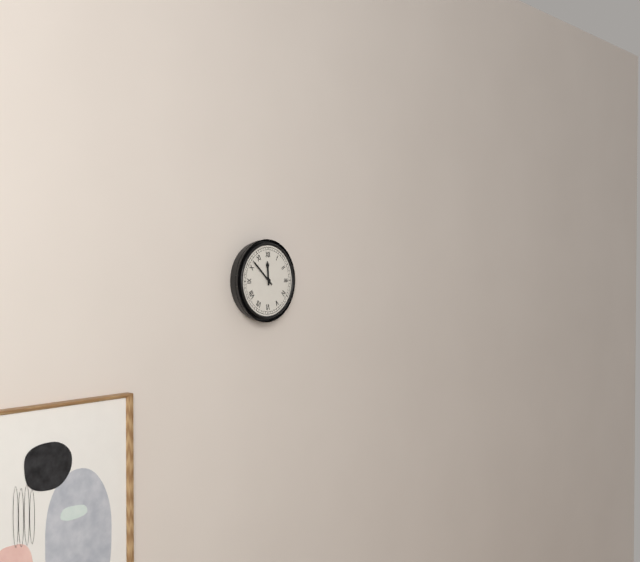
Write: 11:52
